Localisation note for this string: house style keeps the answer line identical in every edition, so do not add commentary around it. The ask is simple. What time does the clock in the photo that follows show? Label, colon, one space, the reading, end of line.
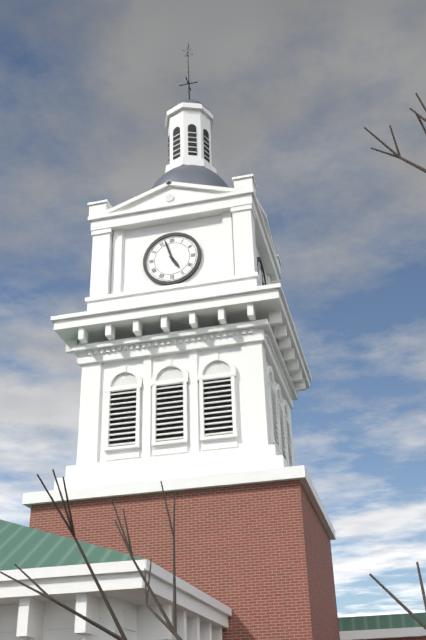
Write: 4:57
